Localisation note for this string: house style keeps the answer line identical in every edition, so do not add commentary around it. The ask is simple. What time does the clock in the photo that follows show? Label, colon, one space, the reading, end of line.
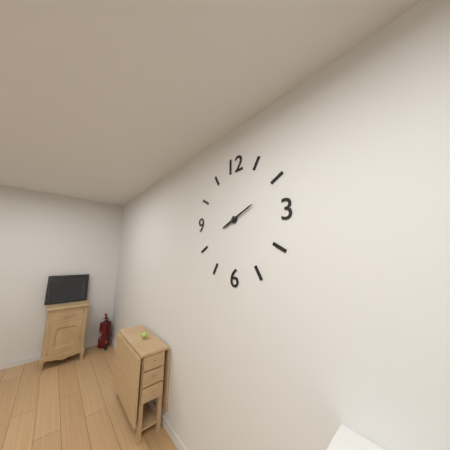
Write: 8:11
